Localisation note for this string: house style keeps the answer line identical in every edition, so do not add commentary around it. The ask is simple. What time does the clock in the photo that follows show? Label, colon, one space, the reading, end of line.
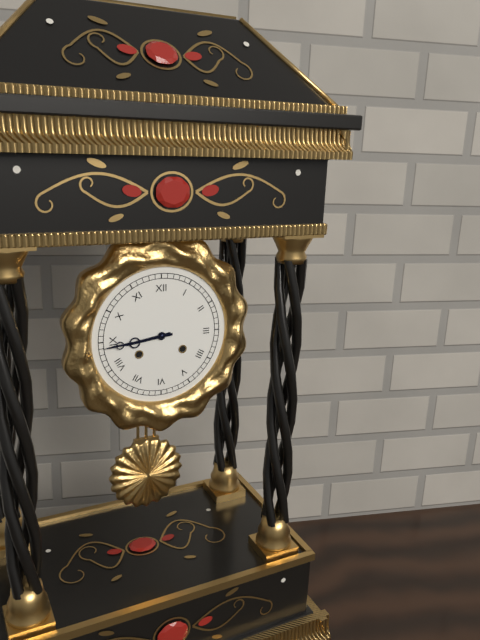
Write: 8:44
